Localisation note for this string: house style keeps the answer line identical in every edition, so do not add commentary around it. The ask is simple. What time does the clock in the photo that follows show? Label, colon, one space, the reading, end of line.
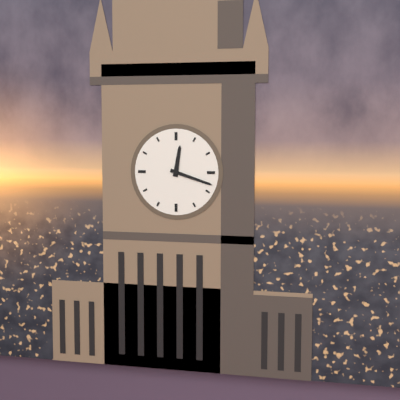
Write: 12:18
